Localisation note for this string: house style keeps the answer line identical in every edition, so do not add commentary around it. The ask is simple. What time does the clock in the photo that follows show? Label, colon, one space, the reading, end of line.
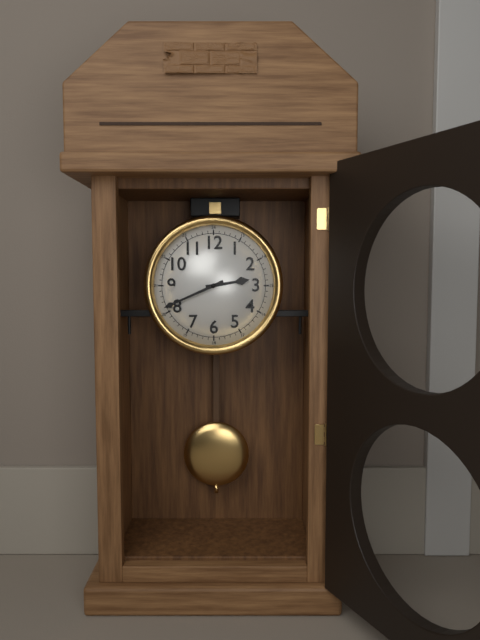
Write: 2:41
